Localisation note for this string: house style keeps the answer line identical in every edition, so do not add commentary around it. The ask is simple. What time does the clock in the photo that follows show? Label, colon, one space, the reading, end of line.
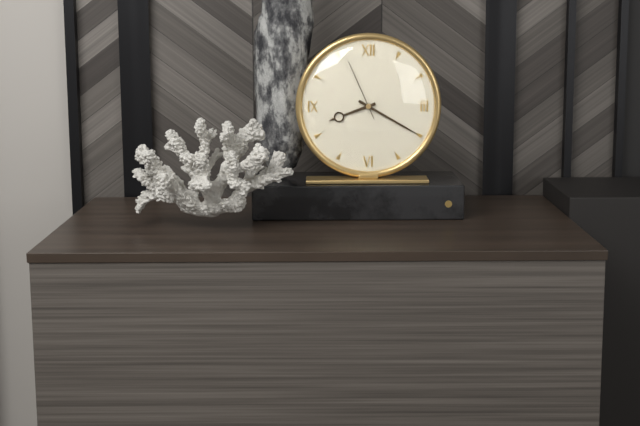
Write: 8:20:56
